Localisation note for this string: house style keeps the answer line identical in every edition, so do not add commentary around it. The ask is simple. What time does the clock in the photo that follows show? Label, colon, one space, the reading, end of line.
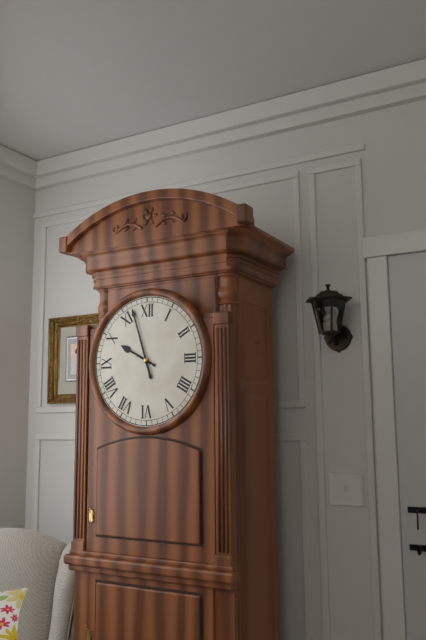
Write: 9:57
